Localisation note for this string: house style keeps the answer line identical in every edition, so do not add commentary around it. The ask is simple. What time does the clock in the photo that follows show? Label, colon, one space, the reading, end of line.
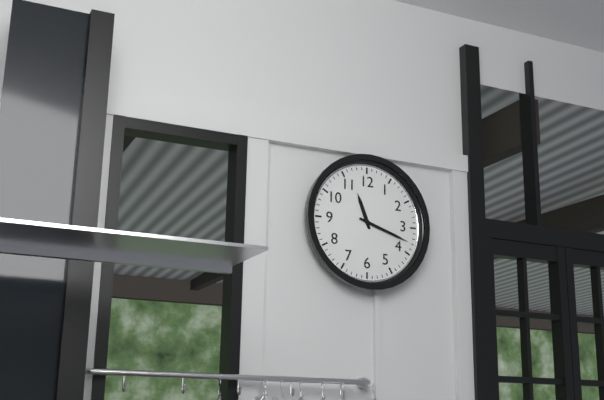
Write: 11:18
